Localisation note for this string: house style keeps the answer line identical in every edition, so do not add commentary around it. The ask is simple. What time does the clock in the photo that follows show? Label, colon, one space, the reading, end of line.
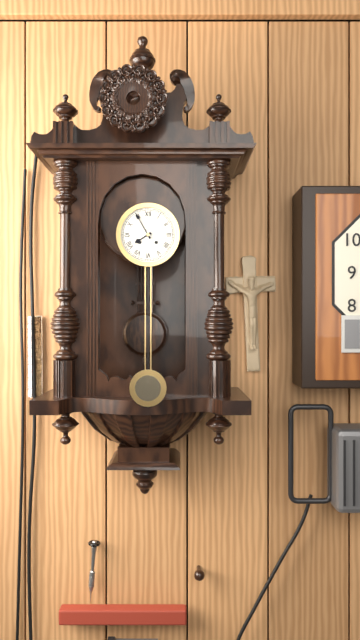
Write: 7:55
